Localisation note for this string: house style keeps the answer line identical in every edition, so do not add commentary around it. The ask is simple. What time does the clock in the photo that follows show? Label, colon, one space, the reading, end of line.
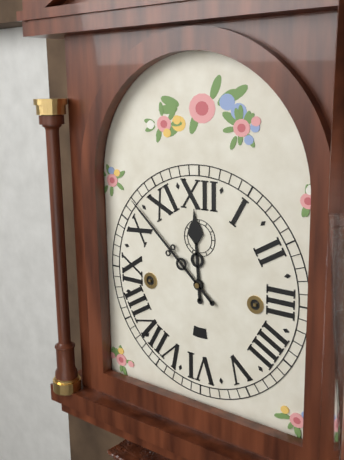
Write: 11:52
